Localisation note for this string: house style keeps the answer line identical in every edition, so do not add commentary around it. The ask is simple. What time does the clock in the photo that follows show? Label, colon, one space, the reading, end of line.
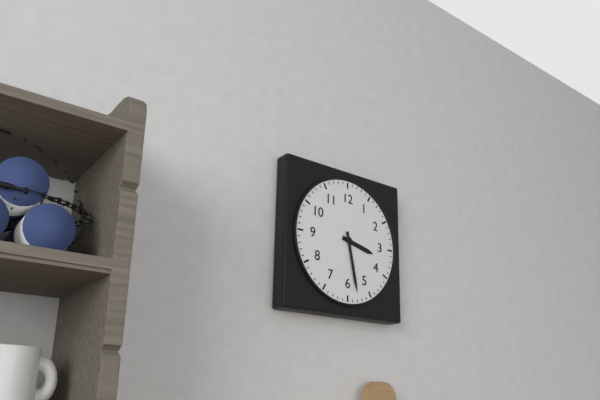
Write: 3:28
